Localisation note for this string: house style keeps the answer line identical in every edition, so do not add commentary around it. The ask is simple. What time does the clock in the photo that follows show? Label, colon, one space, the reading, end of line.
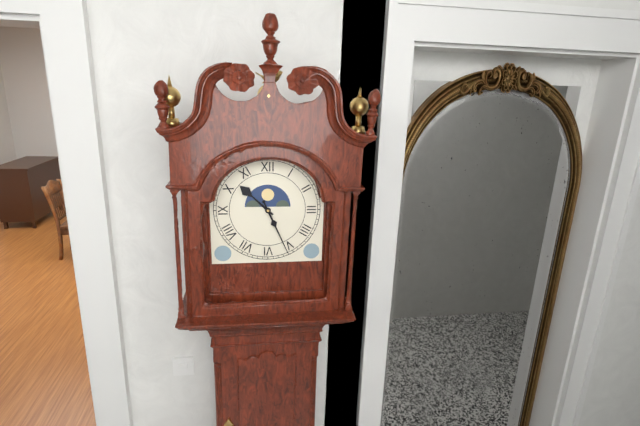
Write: 10:26
